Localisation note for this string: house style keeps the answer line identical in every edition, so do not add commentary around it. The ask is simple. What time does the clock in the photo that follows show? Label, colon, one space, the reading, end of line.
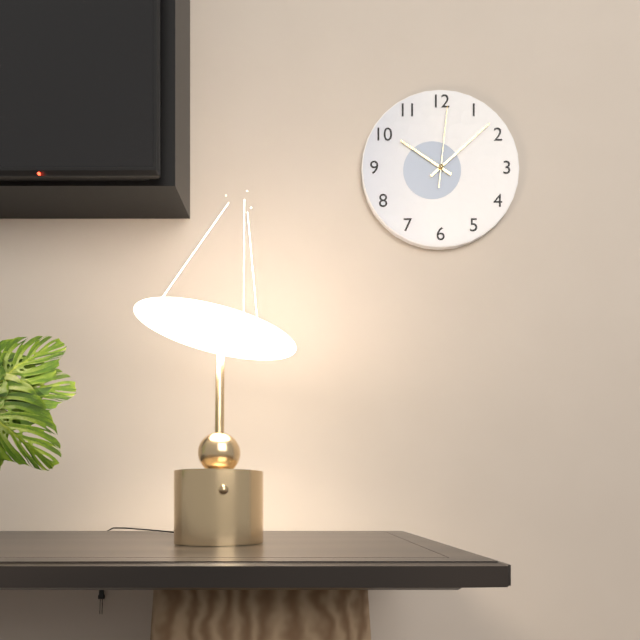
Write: 10:08:01
